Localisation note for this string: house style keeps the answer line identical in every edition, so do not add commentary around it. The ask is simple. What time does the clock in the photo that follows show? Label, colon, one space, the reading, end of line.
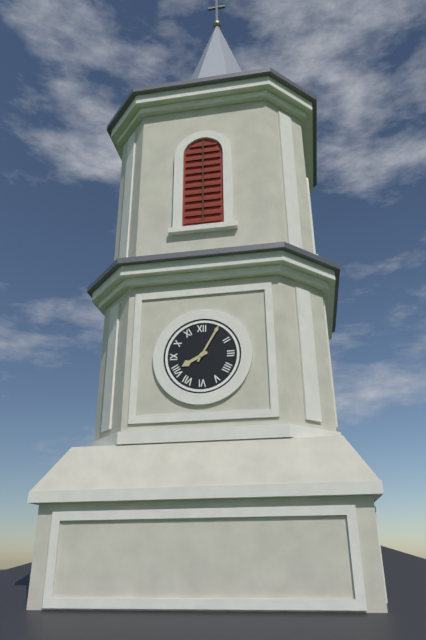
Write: 8:05
